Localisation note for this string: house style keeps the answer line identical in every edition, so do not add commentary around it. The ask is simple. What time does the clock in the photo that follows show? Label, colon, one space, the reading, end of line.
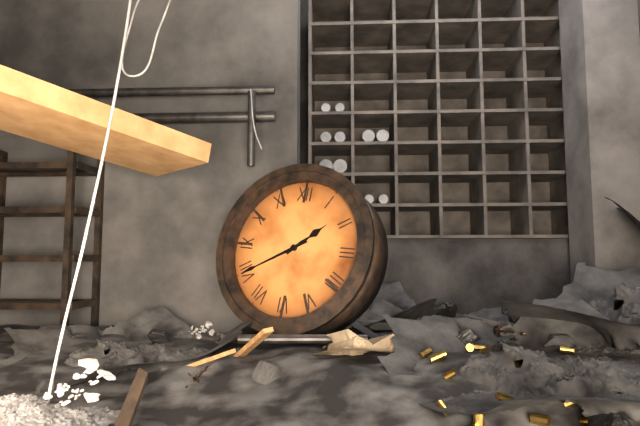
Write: 1:40
